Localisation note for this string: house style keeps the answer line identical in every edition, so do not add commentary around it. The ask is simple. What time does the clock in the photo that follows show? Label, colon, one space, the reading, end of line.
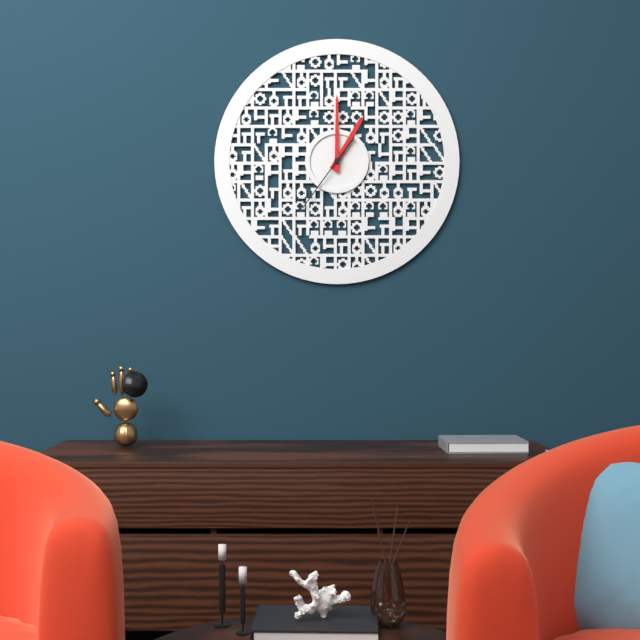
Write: 1:00:36
